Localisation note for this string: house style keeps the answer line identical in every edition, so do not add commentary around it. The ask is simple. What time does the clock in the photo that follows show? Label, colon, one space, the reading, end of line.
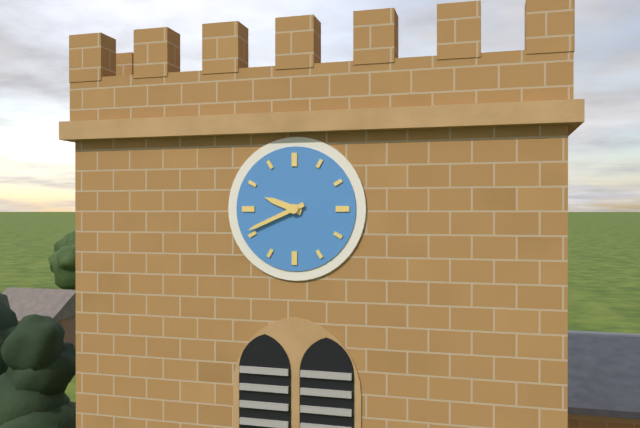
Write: 9:41
